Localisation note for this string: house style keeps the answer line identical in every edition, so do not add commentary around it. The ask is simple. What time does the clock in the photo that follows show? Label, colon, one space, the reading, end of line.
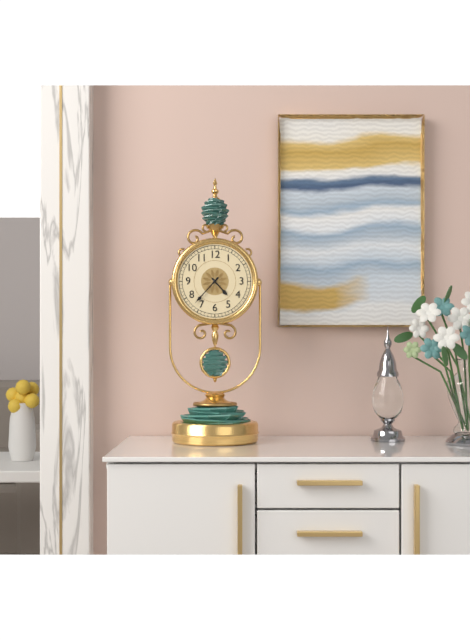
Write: 4:37
